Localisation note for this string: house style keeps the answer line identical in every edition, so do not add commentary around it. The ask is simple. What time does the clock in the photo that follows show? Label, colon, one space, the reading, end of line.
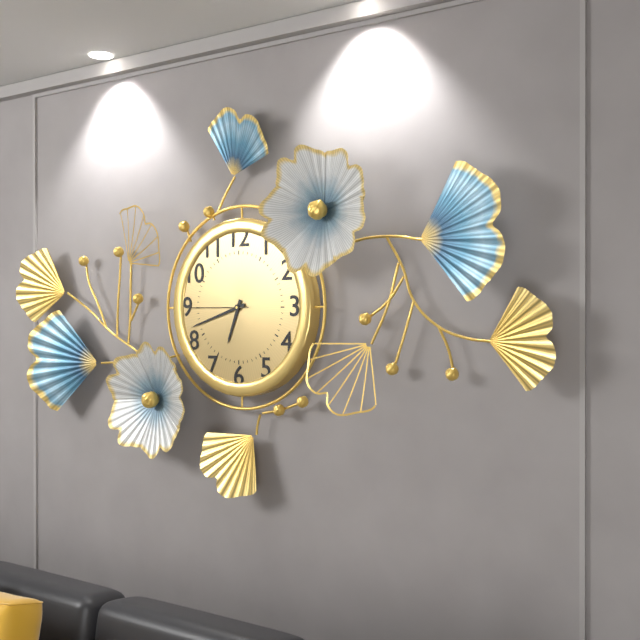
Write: 6:42:45
